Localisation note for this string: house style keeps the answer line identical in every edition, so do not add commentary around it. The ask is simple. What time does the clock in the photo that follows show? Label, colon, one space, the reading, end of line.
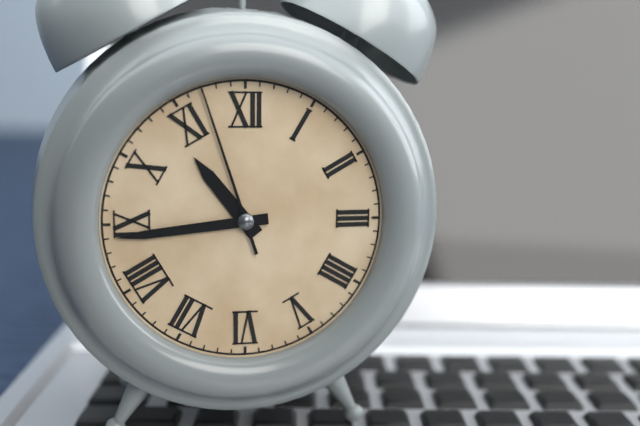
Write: 10:44:57
